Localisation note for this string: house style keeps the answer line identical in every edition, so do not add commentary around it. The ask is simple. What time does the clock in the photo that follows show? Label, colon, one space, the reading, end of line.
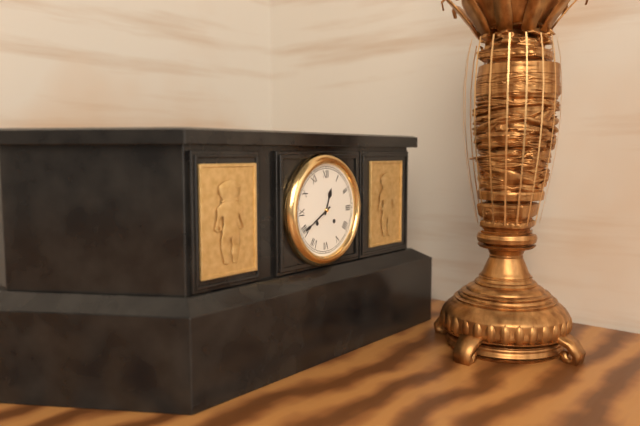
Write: 12:40
